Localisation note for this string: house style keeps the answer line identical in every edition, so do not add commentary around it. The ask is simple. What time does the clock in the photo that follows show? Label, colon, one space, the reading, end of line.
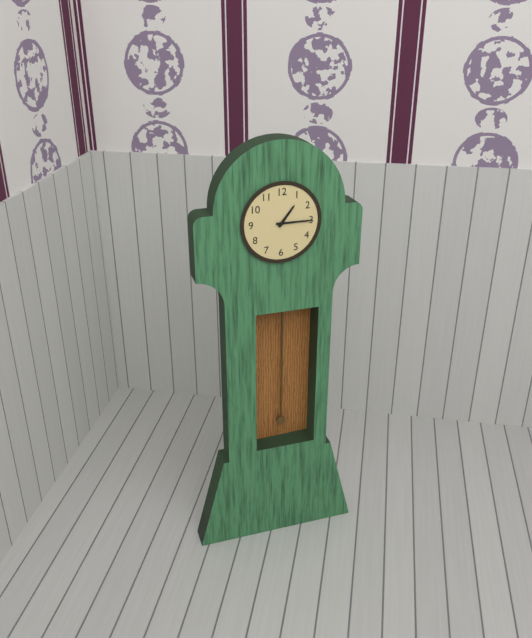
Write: 1:15
